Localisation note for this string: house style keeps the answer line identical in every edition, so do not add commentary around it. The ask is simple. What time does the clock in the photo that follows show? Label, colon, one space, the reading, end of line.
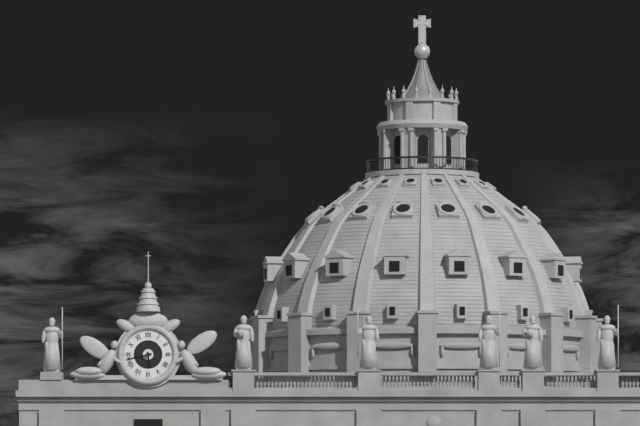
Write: 5:43
